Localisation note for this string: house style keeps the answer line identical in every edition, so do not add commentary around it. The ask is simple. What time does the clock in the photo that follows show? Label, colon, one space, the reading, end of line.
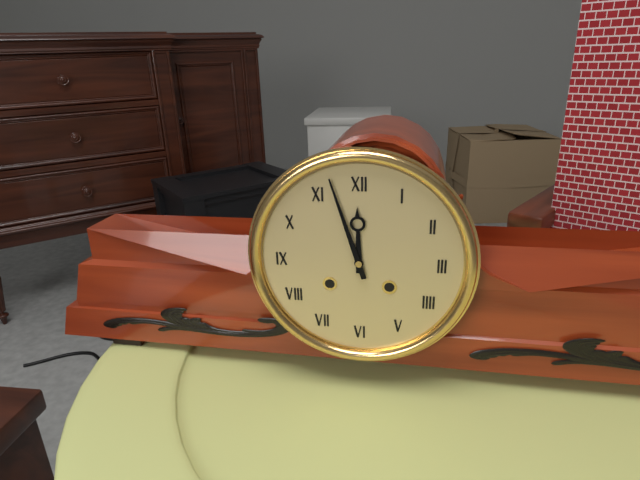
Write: 11:57
